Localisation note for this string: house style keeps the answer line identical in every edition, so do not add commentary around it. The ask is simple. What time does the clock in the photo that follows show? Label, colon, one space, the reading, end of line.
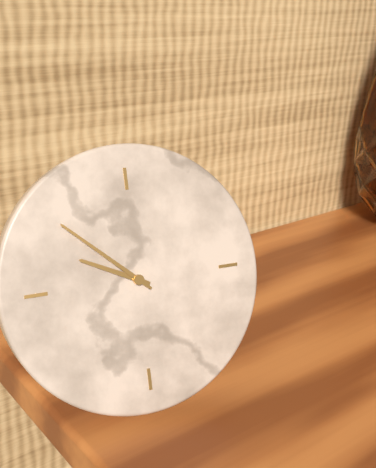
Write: 9:52
